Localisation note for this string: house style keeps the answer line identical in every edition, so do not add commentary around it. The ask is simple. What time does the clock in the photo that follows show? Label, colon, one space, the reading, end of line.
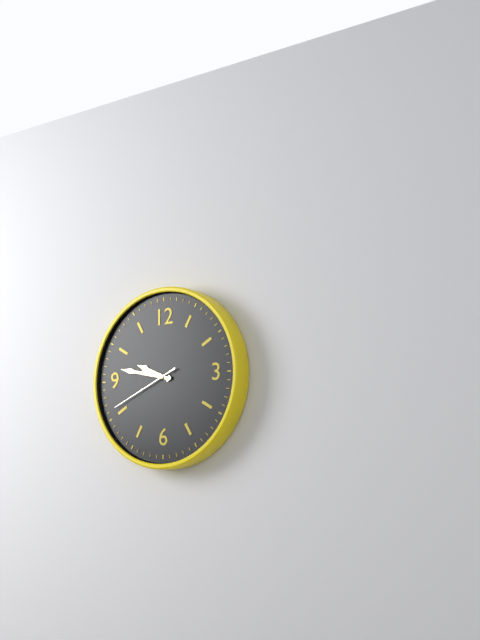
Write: 9:47:41
